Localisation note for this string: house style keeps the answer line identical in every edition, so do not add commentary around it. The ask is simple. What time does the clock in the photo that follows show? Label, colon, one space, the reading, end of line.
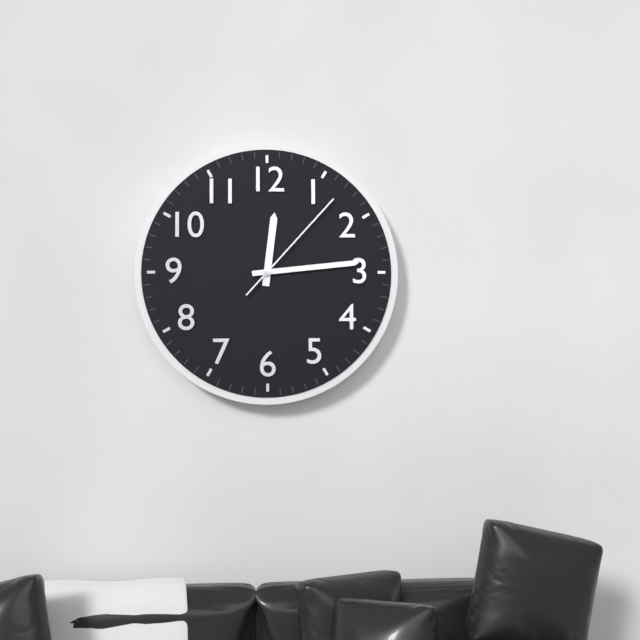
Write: 12:14:07
